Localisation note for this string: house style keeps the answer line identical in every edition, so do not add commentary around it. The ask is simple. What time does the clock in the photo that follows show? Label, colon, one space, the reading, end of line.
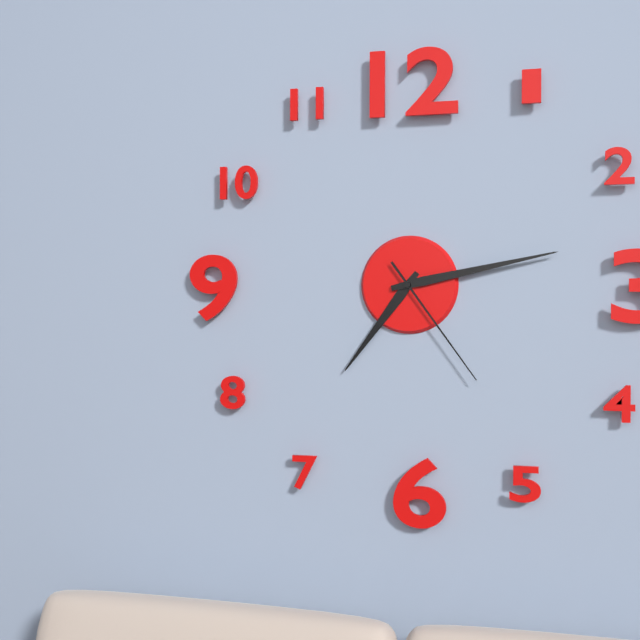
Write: 7:13:24
